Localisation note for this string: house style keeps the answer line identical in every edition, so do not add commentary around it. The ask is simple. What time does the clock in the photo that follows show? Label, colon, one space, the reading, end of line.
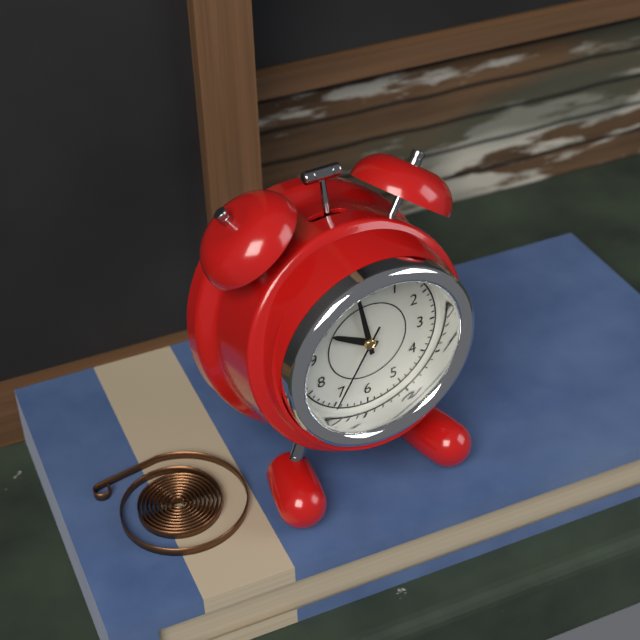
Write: 9:58:35
